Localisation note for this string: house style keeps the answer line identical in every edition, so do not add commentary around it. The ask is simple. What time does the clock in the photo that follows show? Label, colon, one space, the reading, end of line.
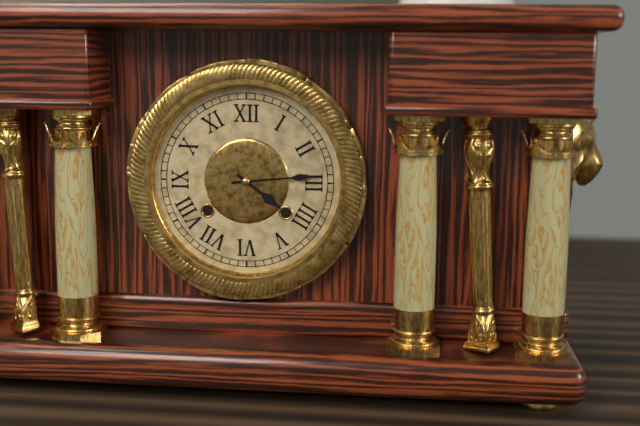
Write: 4:14
